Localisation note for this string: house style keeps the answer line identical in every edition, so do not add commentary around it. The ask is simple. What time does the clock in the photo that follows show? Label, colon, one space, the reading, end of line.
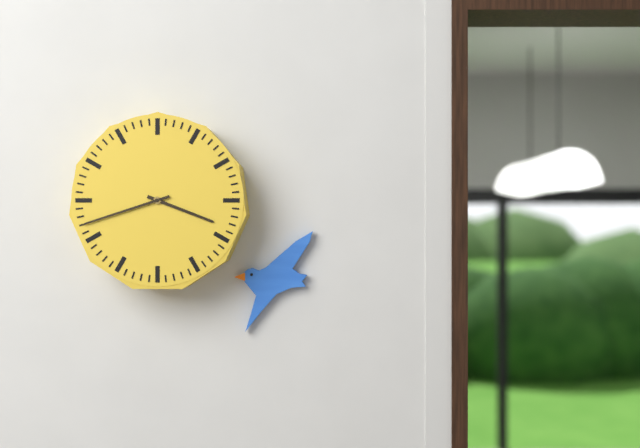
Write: 3:42
